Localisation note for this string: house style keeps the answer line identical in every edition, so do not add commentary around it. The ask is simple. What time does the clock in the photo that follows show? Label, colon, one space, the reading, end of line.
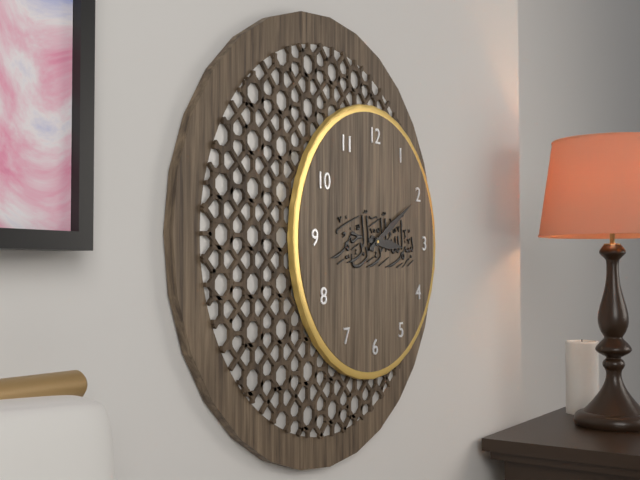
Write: 3:10
